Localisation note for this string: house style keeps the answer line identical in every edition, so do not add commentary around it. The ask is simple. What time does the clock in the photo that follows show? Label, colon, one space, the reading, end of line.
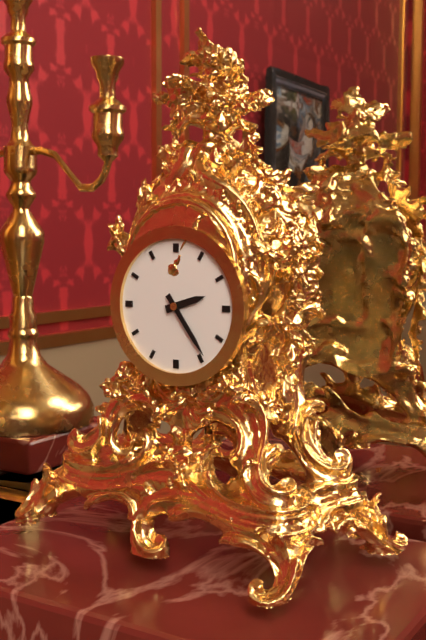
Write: 2:24
